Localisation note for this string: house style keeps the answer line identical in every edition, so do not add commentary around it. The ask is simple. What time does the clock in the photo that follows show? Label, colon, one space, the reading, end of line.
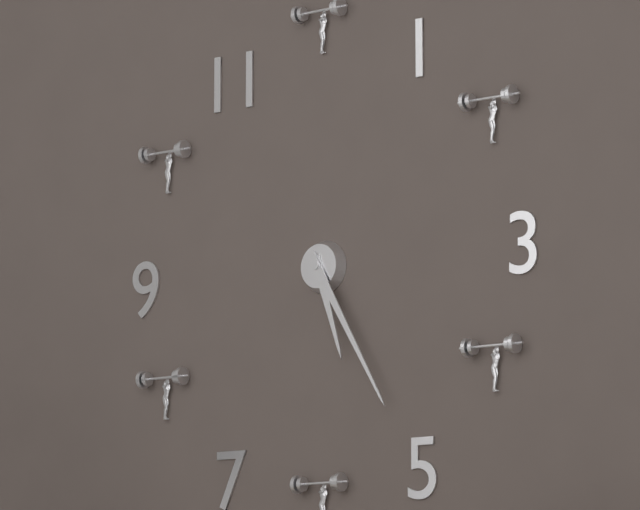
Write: 5:25
